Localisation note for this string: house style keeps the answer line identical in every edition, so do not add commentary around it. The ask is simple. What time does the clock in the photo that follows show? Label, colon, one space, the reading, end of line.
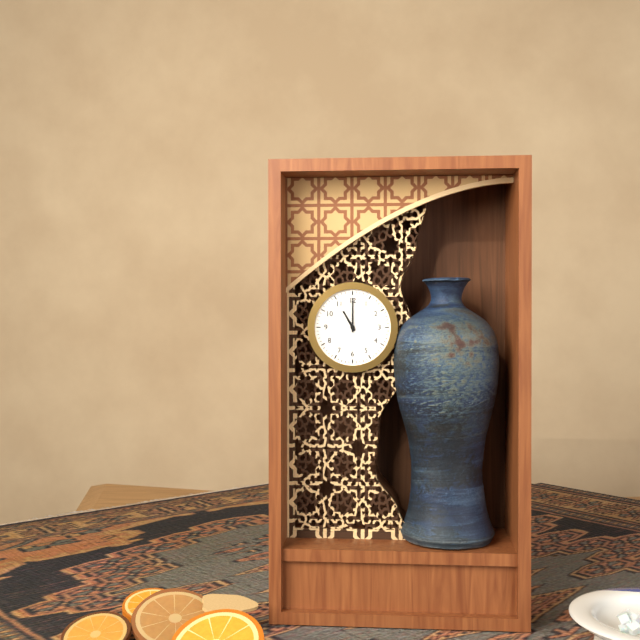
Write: 11:00
